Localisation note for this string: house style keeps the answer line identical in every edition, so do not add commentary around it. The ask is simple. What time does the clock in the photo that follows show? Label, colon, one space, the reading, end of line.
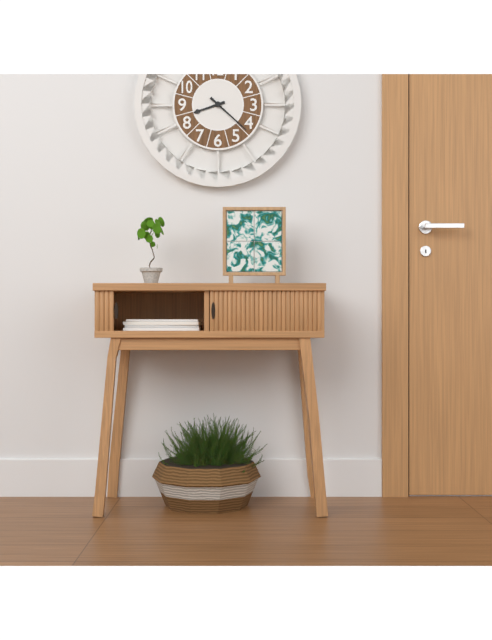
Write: 8:22
